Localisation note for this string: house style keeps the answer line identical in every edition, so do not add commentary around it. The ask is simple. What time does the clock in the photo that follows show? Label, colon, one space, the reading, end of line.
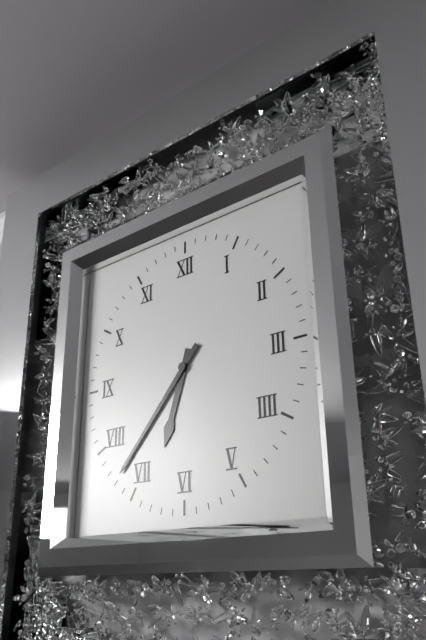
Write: 6:37
